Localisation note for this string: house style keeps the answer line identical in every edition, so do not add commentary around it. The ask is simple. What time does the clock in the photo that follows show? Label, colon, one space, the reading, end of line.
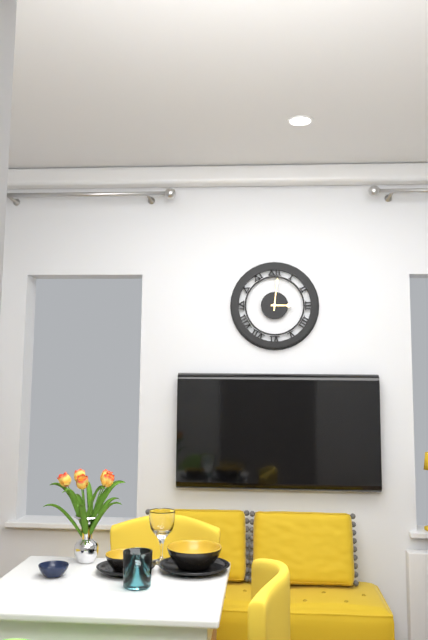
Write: 3:01
